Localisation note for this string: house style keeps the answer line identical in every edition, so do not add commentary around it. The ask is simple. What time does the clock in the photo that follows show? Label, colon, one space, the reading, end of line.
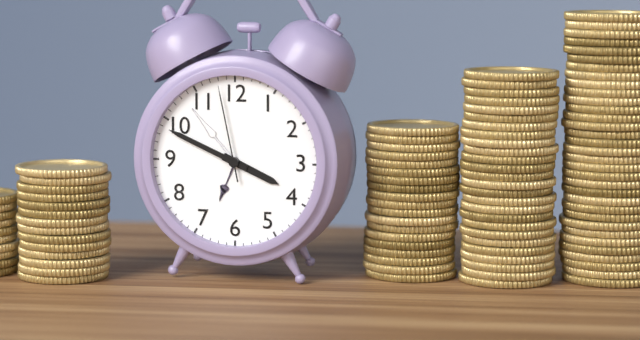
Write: 3:49:58
